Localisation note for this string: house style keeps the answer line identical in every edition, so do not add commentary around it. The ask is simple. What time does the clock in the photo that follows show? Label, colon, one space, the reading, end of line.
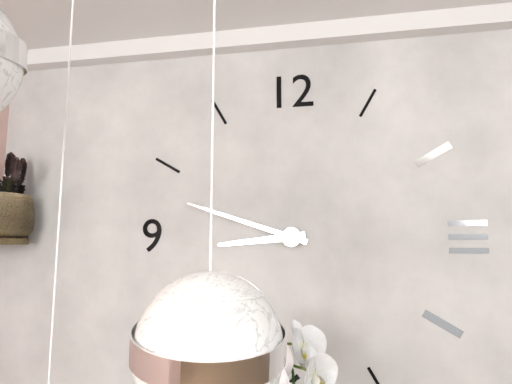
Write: 8:48
